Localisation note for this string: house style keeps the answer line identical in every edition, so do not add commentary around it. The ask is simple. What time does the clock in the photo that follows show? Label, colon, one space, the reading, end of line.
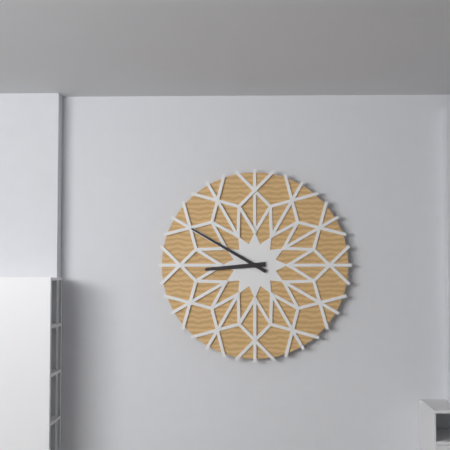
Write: 8:50
